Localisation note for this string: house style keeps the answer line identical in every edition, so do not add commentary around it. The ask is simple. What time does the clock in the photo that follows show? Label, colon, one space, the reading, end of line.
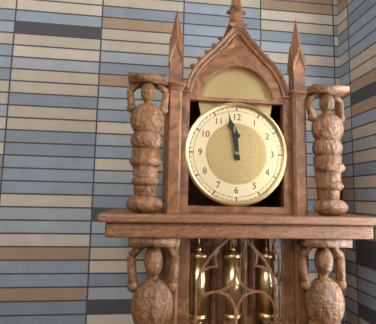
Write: 11:58
